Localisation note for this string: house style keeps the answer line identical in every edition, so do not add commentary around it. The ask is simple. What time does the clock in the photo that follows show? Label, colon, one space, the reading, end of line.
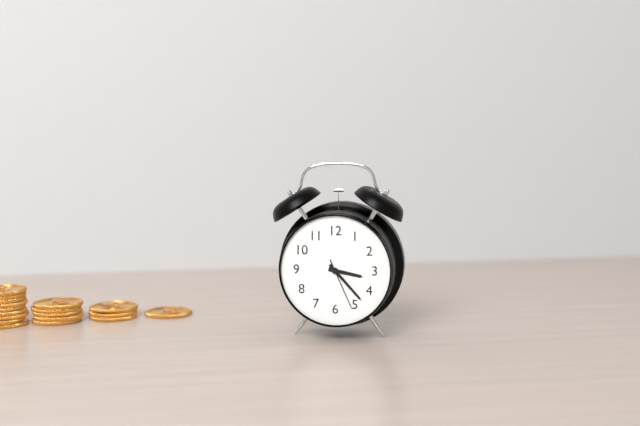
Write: 3:23:26
